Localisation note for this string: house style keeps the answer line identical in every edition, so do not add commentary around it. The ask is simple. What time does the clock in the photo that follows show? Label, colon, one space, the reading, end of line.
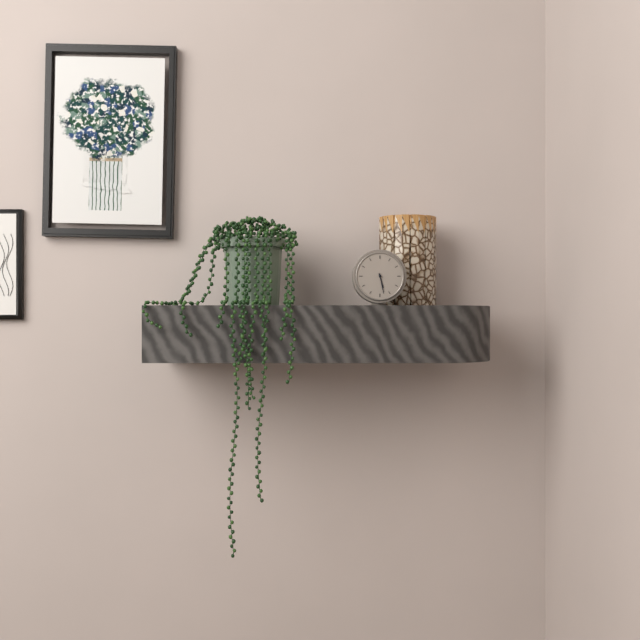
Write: 5:28
